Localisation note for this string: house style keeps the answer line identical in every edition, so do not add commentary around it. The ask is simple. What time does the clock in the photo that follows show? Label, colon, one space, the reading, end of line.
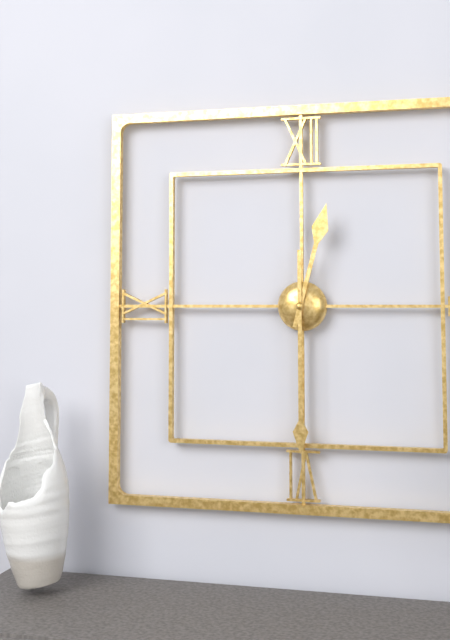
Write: 12:30
